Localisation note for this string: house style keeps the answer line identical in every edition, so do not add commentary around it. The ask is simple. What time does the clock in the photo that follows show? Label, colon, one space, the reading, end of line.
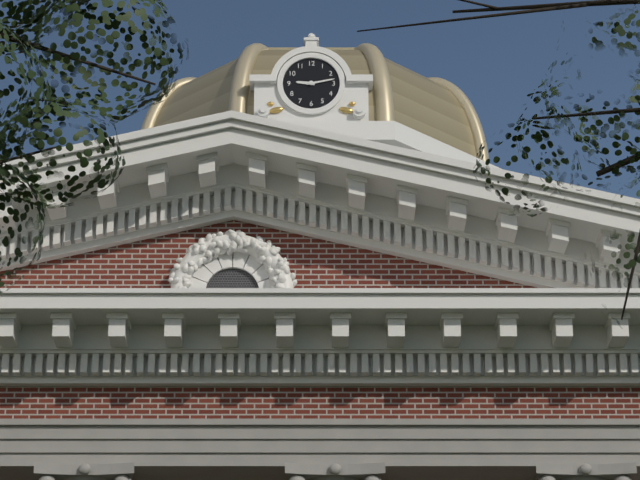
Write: 9:13
